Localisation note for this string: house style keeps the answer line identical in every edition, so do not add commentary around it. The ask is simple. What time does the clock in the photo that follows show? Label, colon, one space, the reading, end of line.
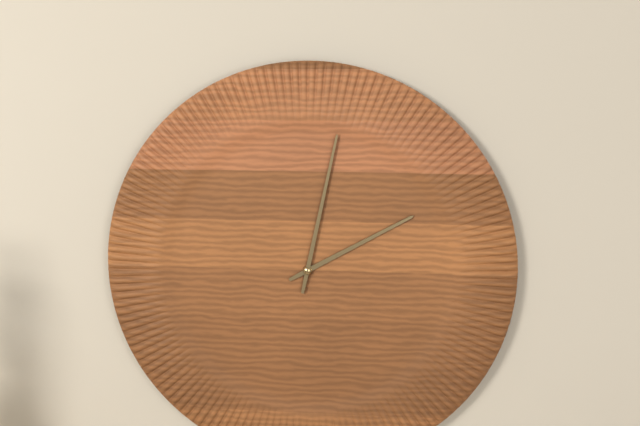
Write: 2:02
